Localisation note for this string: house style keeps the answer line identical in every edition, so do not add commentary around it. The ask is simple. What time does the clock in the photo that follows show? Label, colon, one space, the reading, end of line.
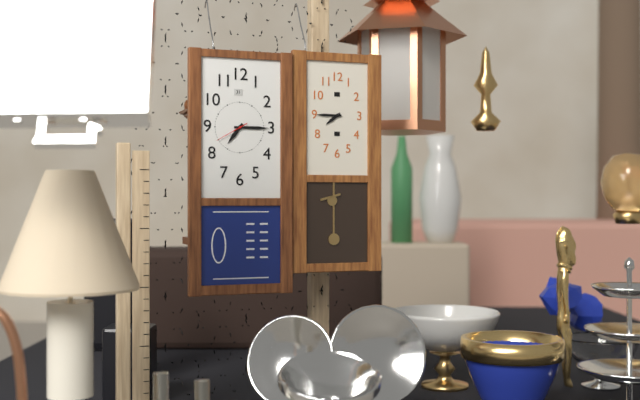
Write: 7:15
